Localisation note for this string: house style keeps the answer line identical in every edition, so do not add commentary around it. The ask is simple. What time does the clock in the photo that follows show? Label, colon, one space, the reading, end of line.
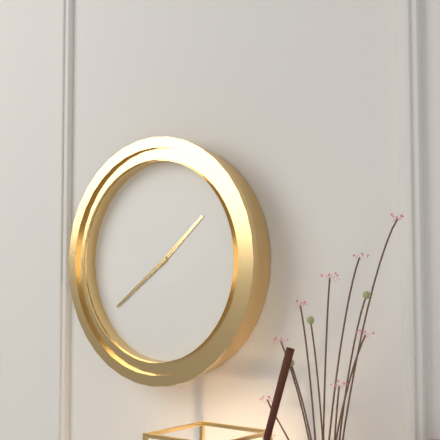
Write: 1:39
